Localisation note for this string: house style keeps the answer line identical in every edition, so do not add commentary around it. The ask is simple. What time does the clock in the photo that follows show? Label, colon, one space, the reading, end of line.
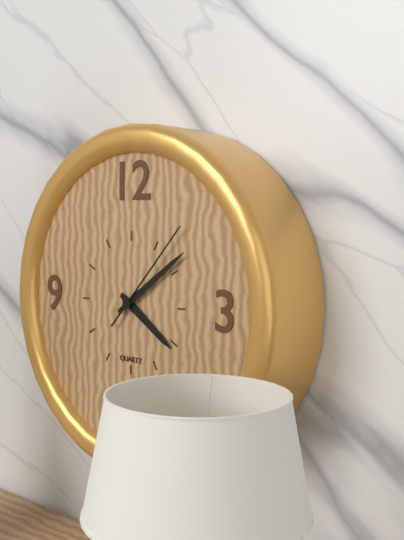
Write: 4:09:07
